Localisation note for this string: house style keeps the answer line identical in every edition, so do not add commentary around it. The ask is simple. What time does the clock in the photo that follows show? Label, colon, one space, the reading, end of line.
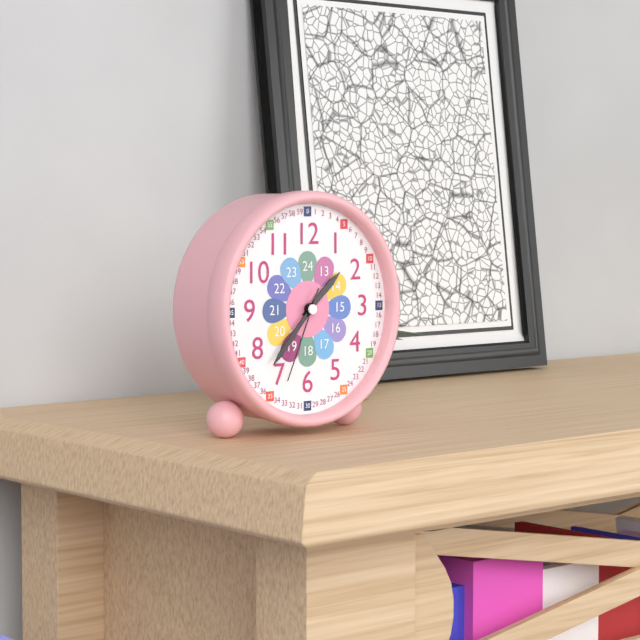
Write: 1:37:34
